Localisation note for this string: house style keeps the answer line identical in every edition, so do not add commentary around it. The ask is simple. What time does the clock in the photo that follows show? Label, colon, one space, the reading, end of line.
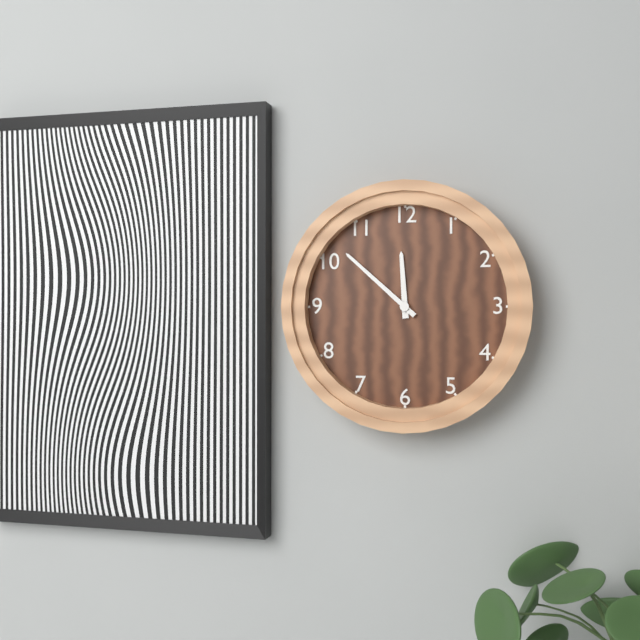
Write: 11:52
